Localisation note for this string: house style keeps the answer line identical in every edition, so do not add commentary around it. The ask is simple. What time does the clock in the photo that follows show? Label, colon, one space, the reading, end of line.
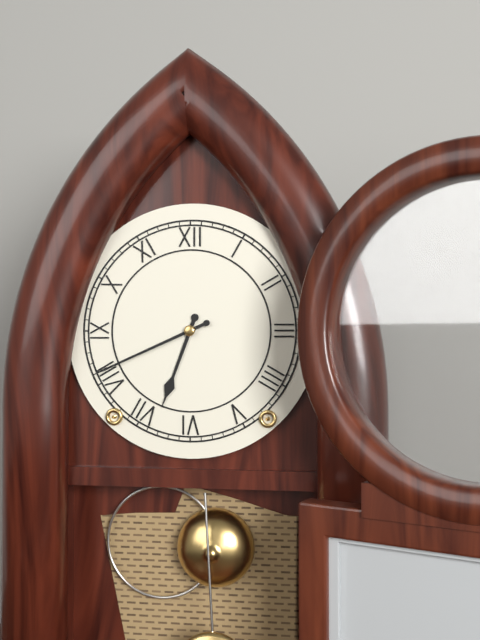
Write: 6:41
